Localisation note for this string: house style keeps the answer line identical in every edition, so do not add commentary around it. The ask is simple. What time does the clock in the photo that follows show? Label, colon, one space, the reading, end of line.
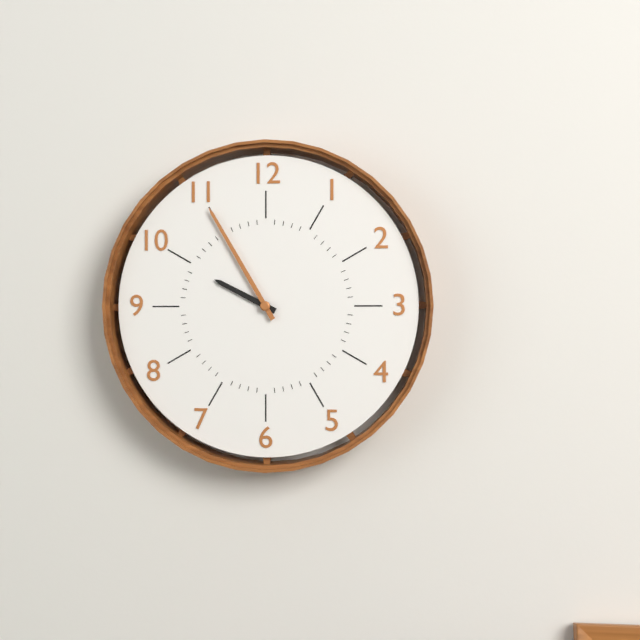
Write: 9:55
